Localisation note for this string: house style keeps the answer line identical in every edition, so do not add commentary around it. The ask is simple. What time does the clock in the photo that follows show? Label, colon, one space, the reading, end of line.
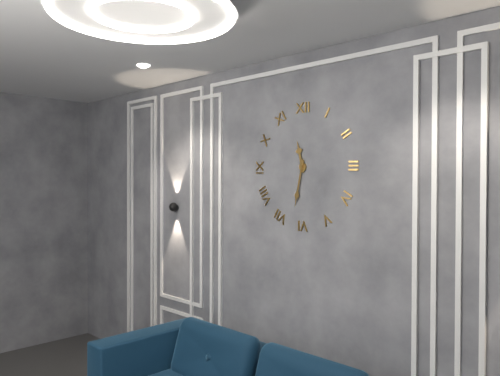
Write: 11:32
